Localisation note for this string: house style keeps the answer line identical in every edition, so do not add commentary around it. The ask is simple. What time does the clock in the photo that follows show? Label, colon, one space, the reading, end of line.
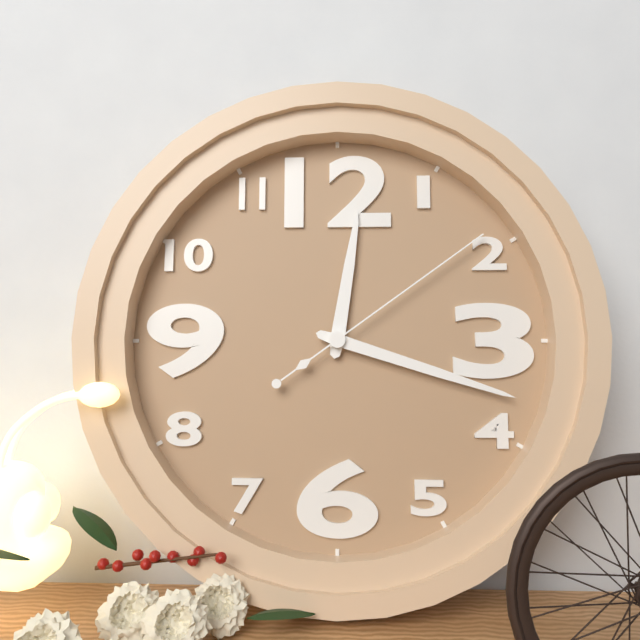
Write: 12:18:09
